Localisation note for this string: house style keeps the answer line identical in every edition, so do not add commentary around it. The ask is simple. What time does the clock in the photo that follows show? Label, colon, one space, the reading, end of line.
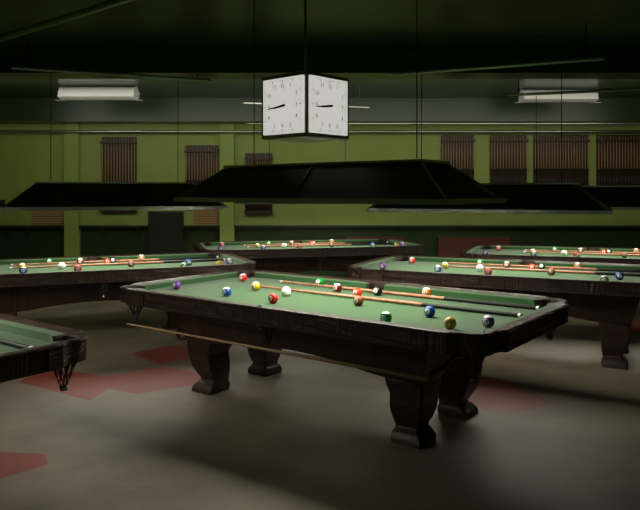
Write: 8:44
